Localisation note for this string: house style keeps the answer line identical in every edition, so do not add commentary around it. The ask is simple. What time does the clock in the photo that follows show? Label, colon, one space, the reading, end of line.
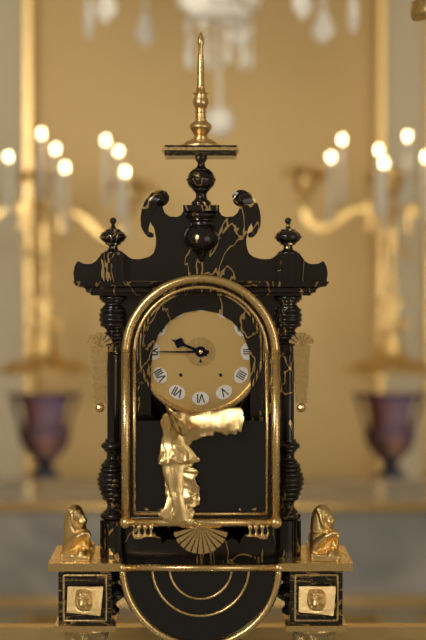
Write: 9:45
